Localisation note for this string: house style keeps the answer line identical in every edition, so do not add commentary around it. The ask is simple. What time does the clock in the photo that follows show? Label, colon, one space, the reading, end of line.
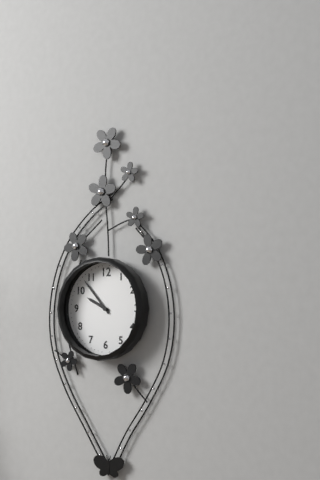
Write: 9:53
